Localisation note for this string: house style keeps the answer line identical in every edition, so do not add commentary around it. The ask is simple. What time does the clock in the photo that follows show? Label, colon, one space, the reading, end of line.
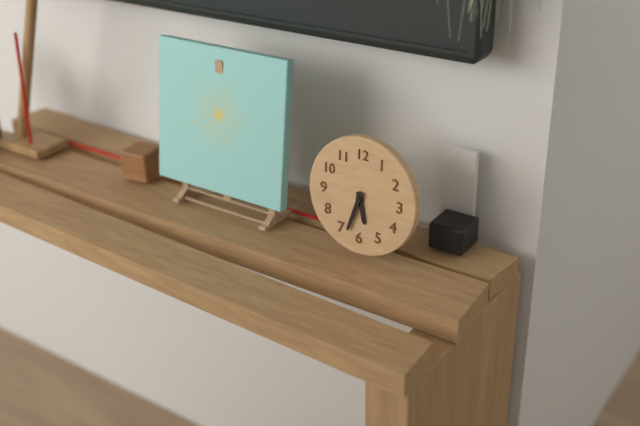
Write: 5:33
